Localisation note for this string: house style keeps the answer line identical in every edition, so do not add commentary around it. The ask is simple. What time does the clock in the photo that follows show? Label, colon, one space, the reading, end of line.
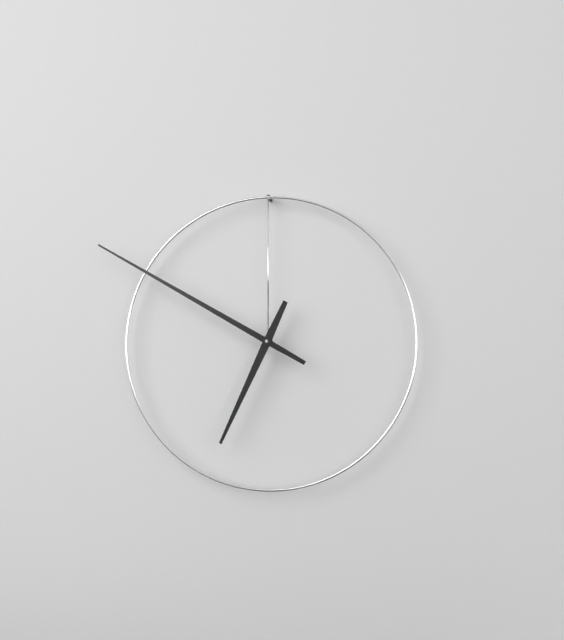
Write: 6:50
